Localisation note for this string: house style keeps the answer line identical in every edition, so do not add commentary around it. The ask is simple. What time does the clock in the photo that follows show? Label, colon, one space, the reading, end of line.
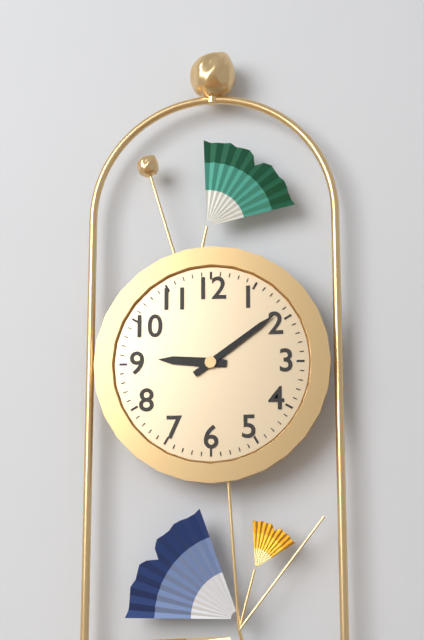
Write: 9:09
